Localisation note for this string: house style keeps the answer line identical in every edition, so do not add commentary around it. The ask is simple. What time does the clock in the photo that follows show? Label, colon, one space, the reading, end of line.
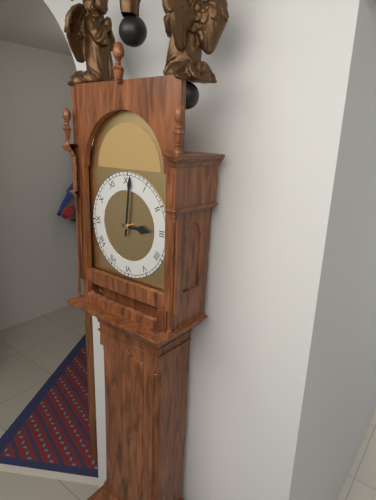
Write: 3:01
